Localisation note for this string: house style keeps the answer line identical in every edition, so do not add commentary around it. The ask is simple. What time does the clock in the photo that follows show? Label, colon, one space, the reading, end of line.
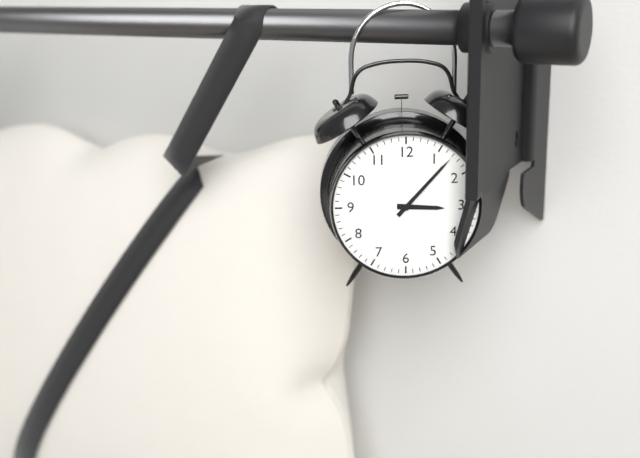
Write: 3:07
